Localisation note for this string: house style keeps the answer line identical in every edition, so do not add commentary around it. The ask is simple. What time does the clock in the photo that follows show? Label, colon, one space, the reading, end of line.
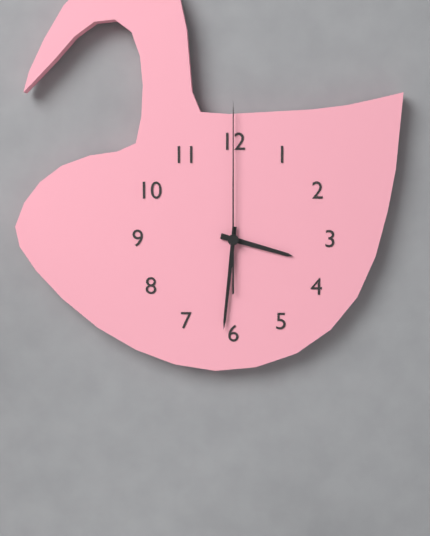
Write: 3:31:00
